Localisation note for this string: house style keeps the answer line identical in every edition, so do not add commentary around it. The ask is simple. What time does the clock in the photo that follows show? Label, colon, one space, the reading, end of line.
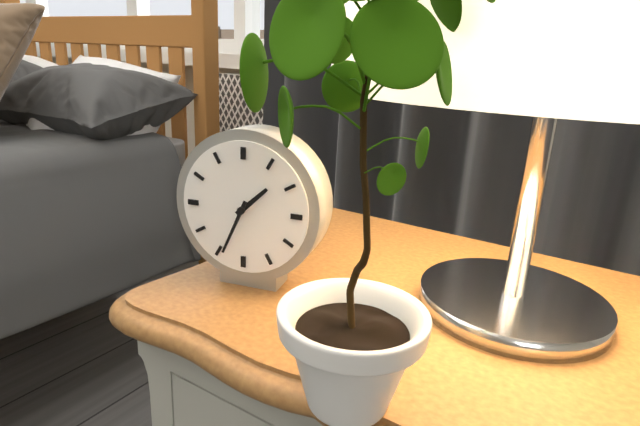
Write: 1:34
